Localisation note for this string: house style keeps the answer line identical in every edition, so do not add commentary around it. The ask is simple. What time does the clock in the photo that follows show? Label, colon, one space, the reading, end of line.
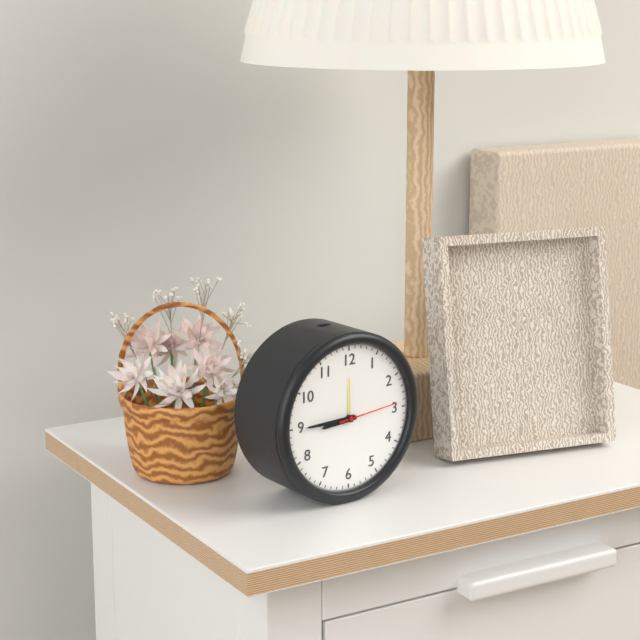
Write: 8:45:14
